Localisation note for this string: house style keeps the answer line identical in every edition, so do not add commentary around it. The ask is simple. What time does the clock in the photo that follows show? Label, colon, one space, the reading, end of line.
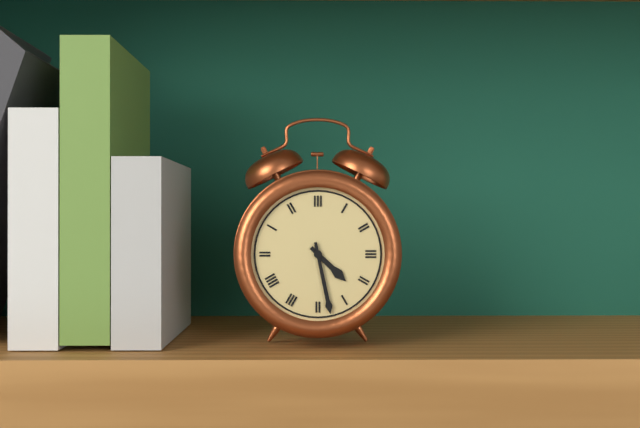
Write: 4:28
